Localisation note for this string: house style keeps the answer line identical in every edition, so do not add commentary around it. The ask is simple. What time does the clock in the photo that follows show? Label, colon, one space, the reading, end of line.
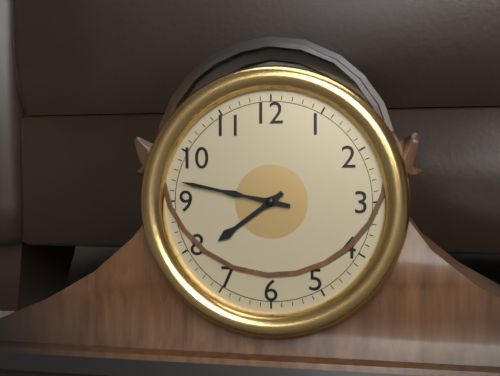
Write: 7:47
